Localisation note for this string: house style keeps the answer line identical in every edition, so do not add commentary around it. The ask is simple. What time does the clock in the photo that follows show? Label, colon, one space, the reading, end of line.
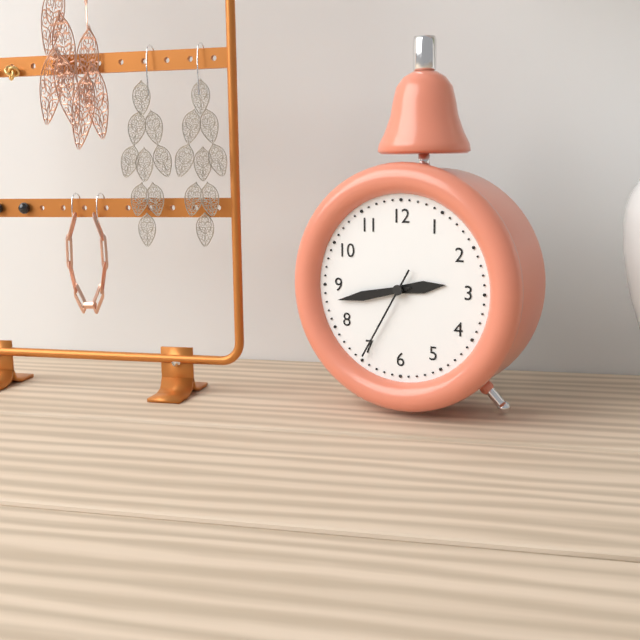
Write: 2:43:35
